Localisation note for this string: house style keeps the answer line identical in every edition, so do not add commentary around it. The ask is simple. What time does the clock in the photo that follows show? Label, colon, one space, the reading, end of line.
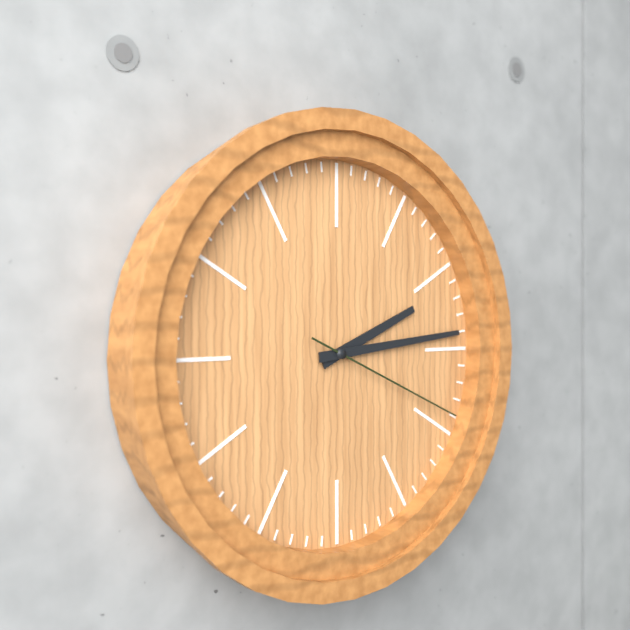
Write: 2:14:19
